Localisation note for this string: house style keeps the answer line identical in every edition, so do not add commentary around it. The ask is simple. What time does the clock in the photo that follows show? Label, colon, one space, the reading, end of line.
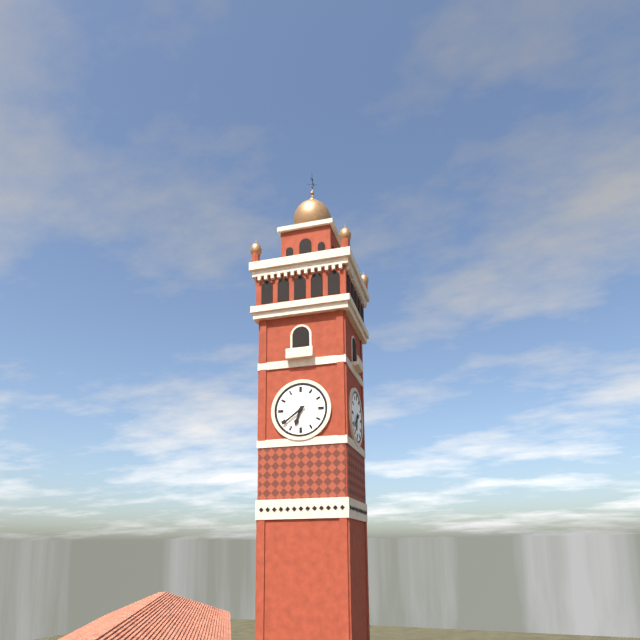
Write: 6:39
